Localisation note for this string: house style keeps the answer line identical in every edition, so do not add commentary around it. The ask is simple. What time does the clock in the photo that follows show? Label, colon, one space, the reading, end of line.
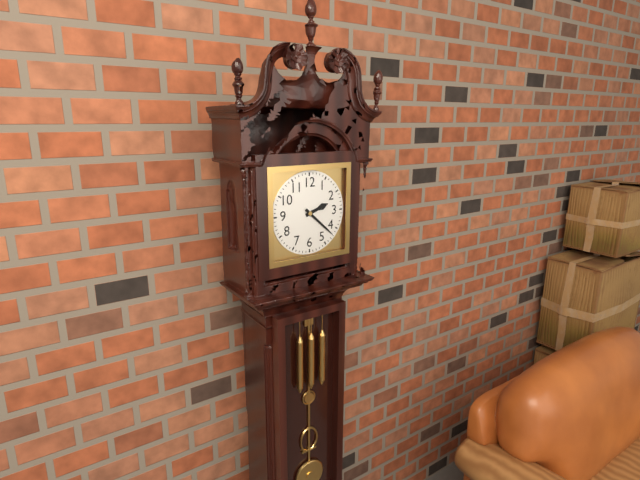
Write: 2:22
